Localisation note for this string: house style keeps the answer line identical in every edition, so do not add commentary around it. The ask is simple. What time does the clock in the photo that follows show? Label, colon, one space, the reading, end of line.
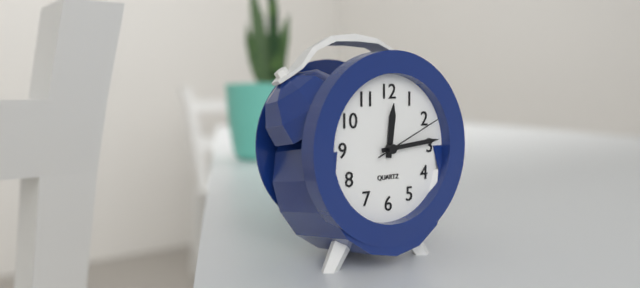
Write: 12:14:11
